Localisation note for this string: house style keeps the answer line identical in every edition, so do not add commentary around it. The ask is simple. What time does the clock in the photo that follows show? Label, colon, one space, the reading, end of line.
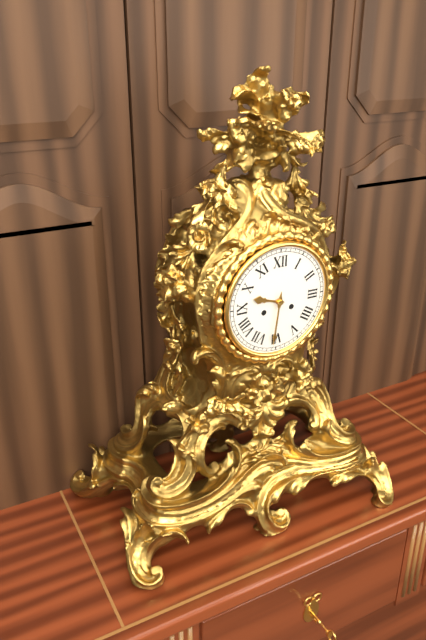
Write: 9:31
